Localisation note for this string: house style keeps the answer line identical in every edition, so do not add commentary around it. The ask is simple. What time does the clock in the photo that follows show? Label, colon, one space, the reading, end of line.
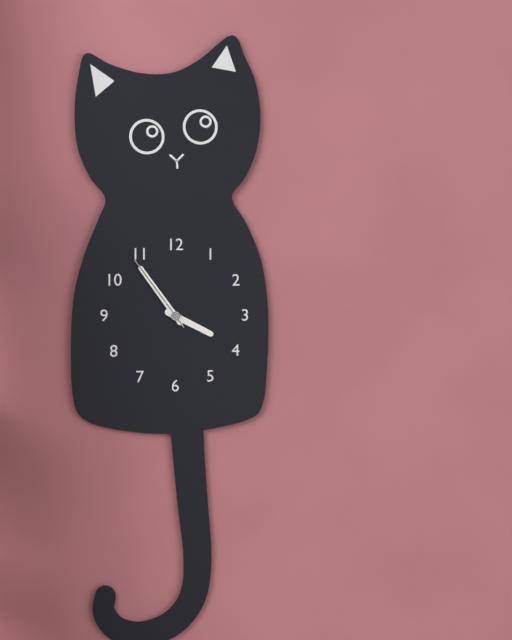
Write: 3:54:54
